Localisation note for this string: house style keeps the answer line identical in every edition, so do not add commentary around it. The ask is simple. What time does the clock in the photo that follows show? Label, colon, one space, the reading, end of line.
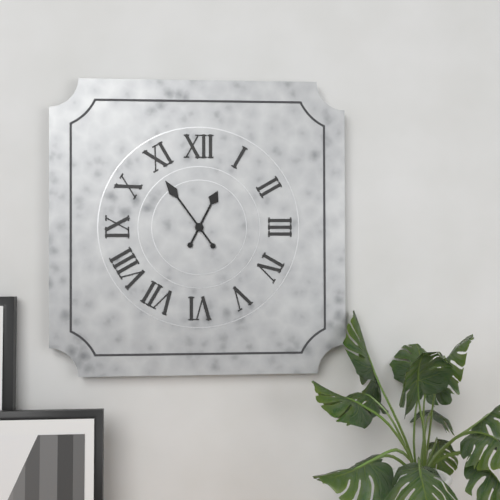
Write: 12:54
